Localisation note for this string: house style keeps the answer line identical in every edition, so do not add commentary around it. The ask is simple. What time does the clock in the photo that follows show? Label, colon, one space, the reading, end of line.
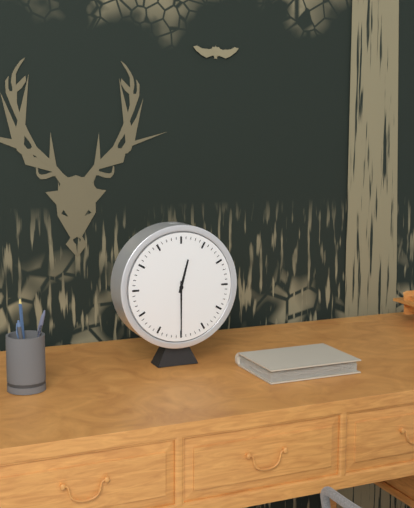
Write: 12:30
